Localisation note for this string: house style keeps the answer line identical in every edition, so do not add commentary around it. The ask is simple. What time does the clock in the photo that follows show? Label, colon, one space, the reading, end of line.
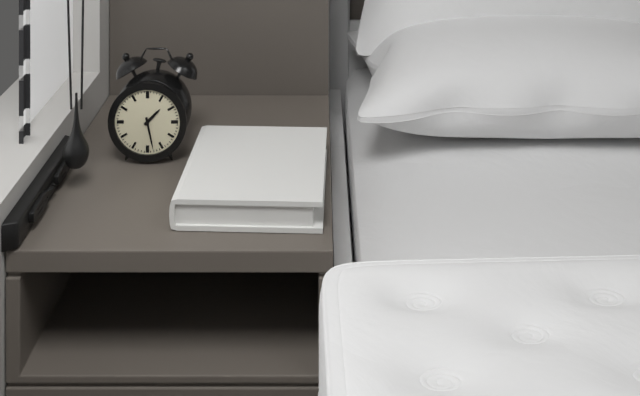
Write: 1:28
